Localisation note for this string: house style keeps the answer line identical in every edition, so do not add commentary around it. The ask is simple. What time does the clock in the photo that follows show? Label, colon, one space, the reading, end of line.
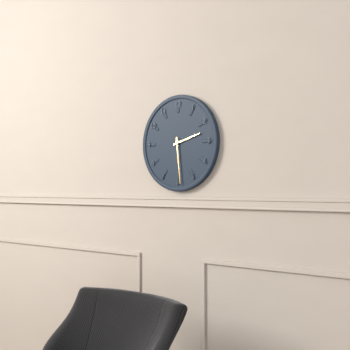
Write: 2:29
